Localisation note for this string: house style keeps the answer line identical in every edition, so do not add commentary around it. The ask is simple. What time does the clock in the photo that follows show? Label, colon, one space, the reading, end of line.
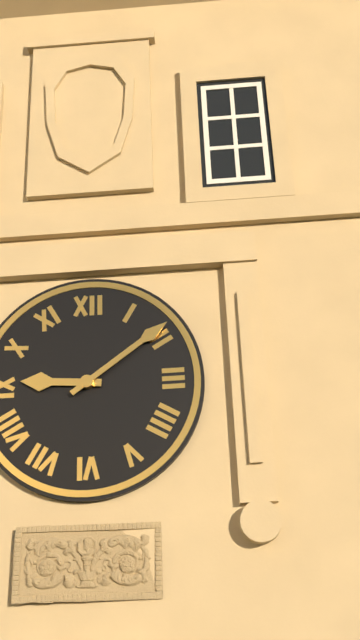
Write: 9:09
